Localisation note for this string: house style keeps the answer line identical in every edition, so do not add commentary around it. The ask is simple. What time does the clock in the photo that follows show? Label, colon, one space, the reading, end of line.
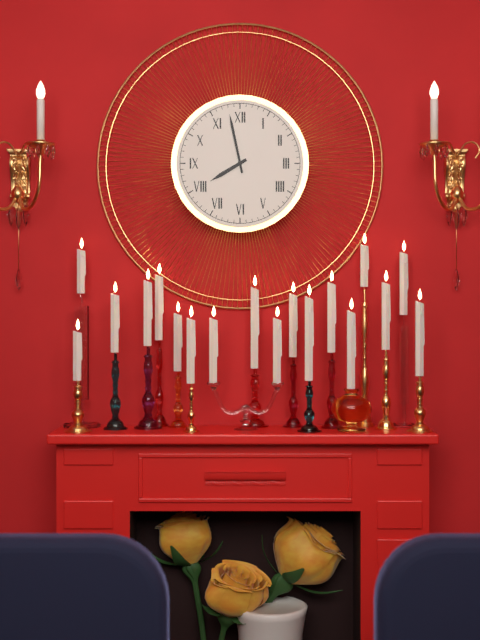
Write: 7:58
